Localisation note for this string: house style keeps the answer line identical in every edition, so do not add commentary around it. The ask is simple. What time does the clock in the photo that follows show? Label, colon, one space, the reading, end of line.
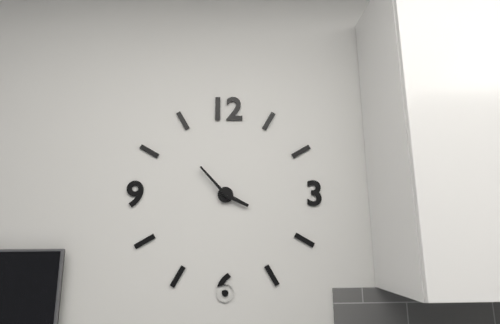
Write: 3:53
